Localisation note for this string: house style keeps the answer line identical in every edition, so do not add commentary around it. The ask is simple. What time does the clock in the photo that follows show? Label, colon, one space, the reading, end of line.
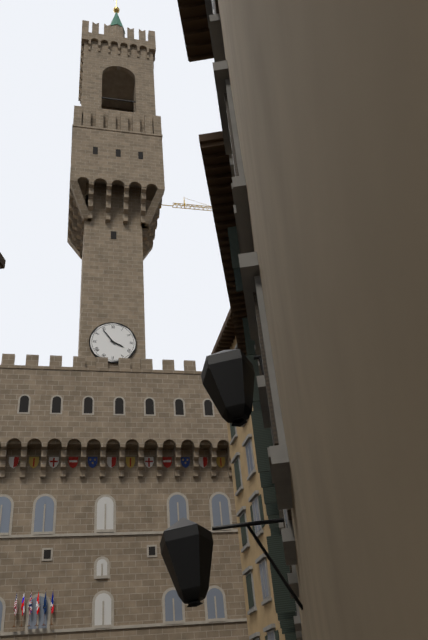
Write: 3:54
